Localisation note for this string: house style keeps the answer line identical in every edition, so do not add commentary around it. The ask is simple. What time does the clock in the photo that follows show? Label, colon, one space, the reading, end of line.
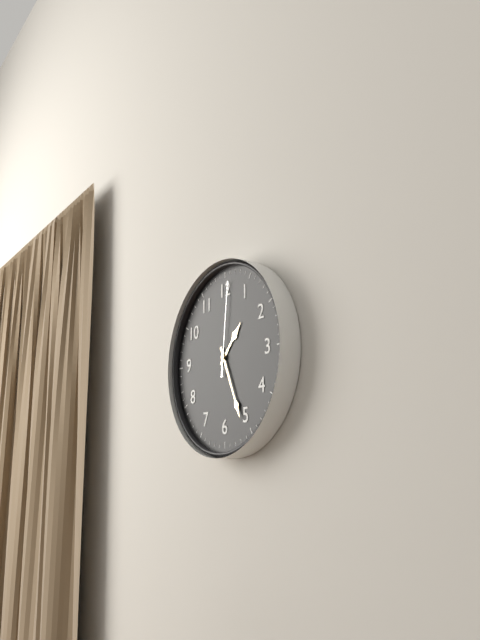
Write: 1:26:01
